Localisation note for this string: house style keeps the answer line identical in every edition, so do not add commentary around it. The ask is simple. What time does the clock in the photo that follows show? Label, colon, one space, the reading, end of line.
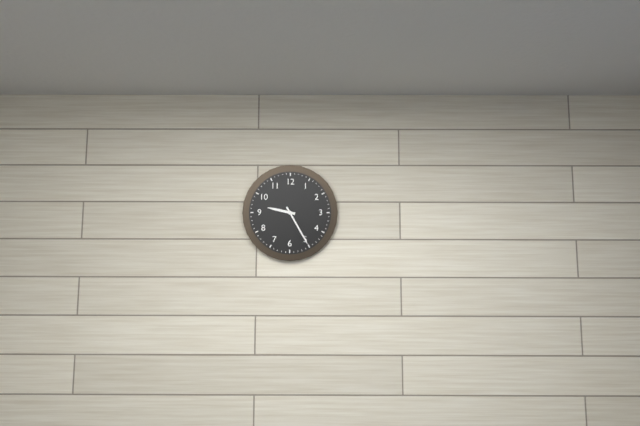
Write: 9:25
